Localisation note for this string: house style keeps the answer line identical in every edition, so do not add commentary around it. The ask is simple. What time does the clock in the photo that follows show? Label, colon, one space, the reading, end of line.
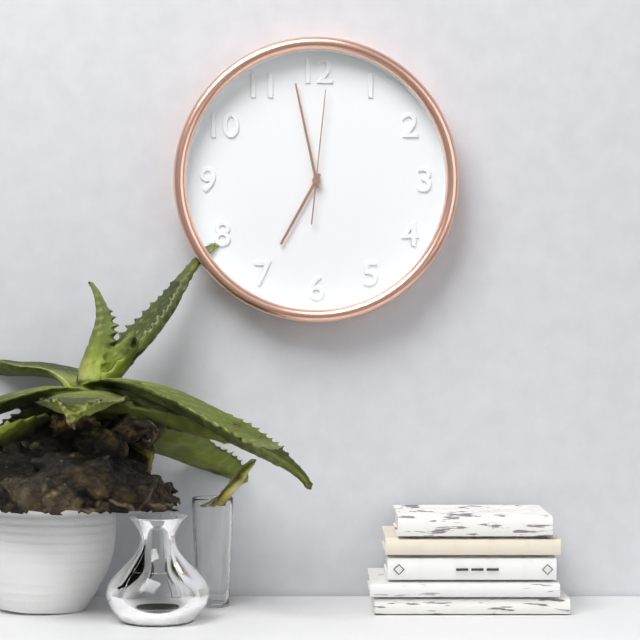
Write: 6:58:01
